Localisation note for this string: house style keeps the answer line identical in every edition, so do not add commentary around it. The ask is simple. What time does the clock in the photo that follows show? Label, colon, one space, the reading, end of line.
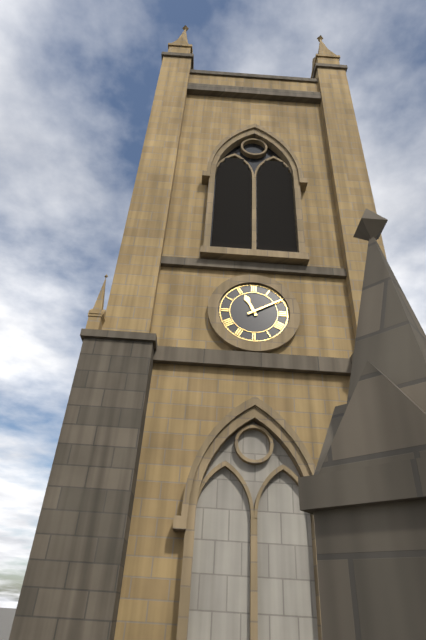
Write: 11:10
